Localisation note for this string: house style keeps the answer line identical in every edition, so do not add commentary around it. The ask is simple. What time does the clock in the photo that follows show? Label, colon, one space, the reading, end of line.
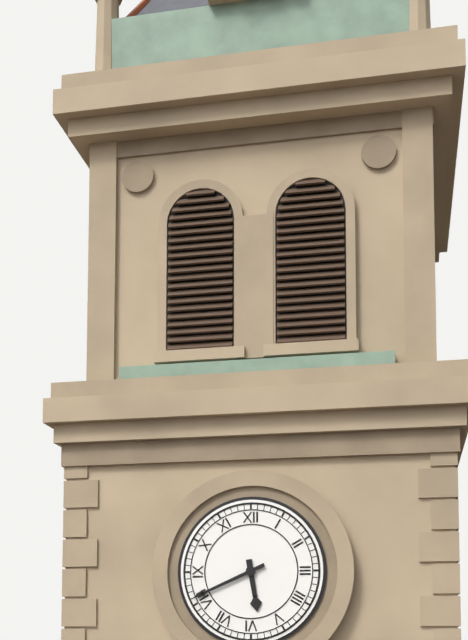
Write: 5:41
